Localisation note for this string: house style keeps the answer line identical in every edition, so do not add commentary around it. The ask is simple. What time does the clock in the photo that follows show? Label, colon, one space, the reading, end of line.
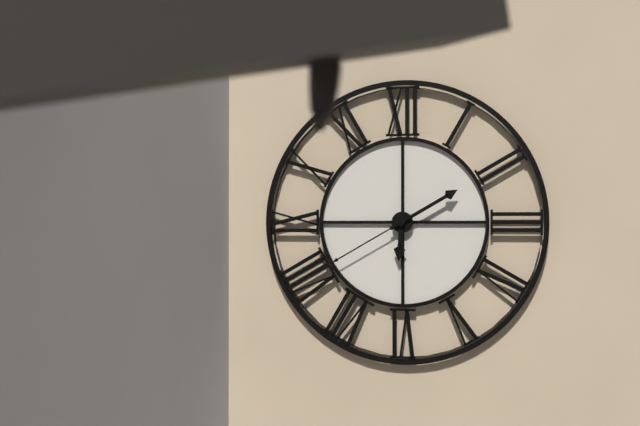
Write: 6:10:40
